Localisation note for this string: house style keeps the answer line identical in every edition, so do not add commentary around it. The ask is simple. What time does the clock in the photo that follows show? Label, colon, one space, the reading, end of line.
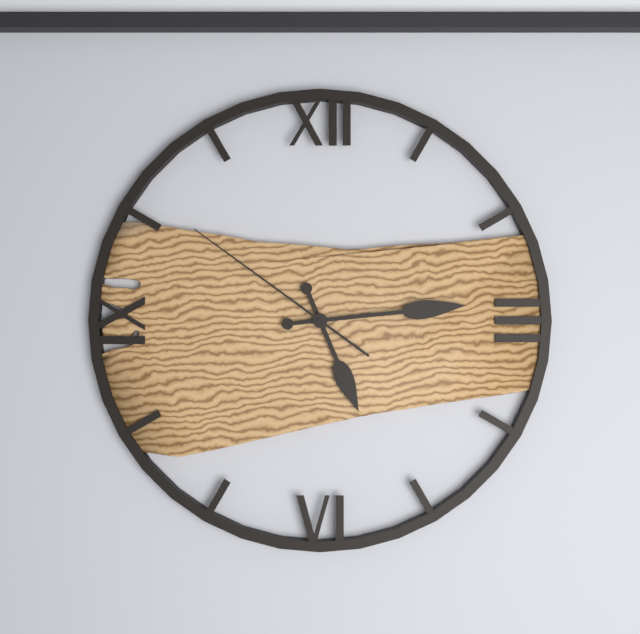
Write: 5:14:51
